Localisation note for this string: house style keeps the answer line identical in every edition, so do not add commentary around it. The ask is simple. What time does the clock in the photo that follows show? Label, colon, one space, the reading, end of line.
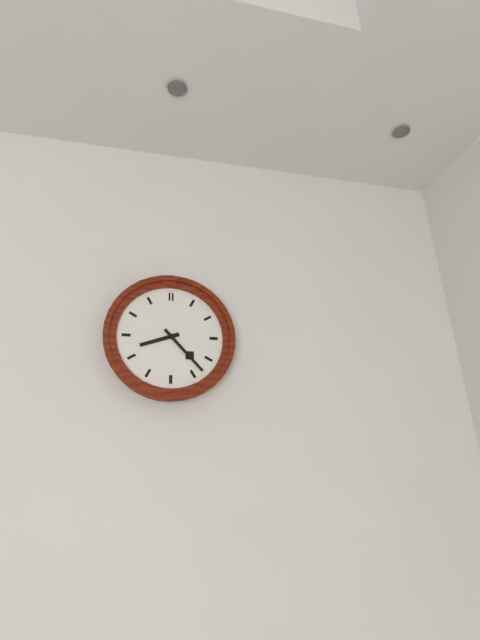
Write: 8:23
